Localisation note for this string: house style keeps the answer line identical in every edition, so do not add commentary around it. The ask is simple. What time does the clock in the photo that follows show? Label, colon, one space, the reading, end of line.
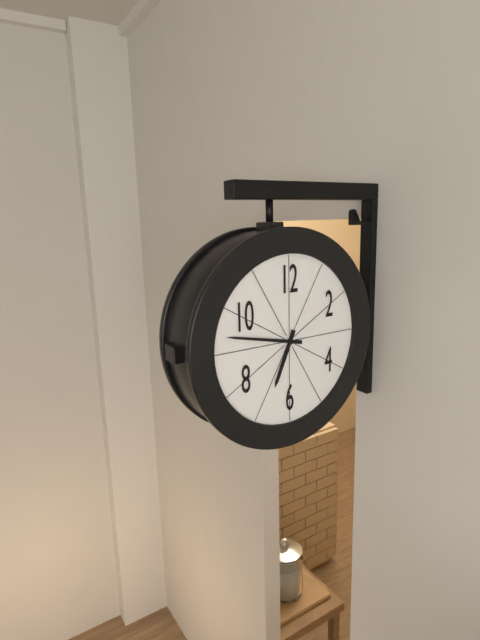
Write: 6:47
